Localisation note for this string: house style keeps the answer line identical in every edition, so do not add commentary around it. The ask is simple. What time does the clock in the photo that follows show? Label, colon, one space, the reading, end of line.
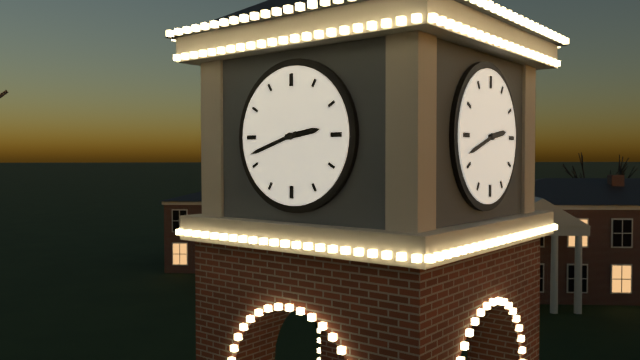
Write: 2:42
